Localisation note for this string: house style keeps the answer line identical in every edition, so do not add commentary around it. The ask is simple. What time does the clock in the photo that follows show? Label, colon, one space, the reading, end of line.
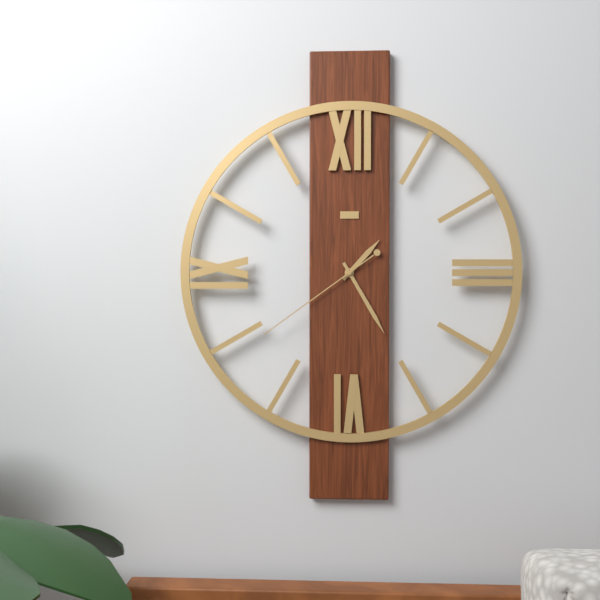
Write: 1:25:39
